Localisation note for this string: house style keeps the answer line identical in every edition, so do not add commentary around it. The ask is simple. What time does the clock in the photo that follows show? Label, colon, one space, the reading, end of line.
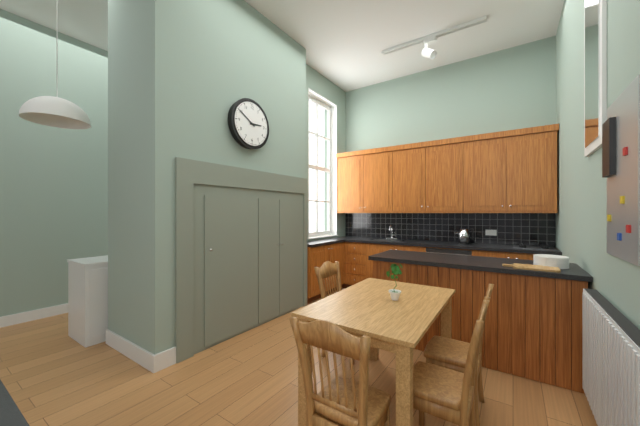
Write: 2:50
